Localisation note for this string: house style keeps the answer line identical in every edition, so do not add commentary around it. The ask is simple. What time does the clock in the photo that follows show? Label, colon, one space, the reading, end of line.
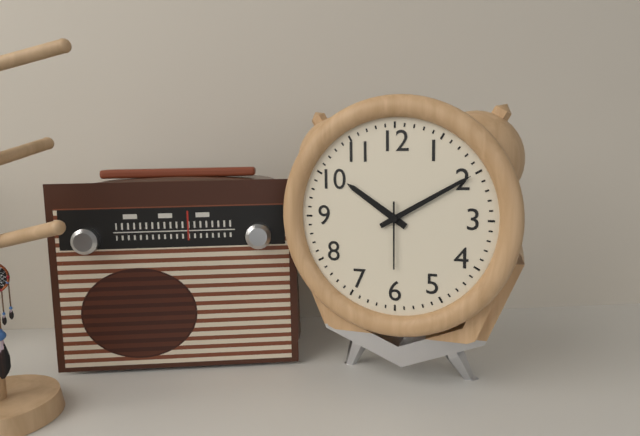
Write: 10:10:30
